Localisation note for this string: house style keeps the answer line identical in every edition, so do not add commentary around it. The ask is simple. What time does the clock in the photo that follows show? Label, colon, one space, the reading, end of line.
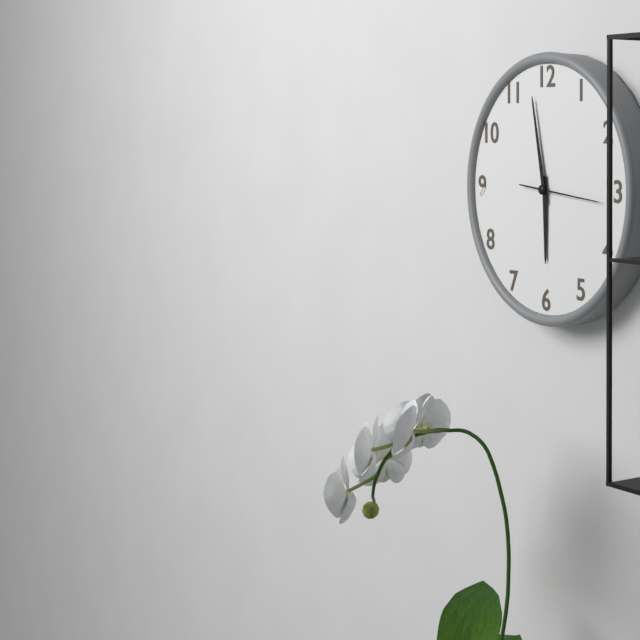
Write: 5:58:16
